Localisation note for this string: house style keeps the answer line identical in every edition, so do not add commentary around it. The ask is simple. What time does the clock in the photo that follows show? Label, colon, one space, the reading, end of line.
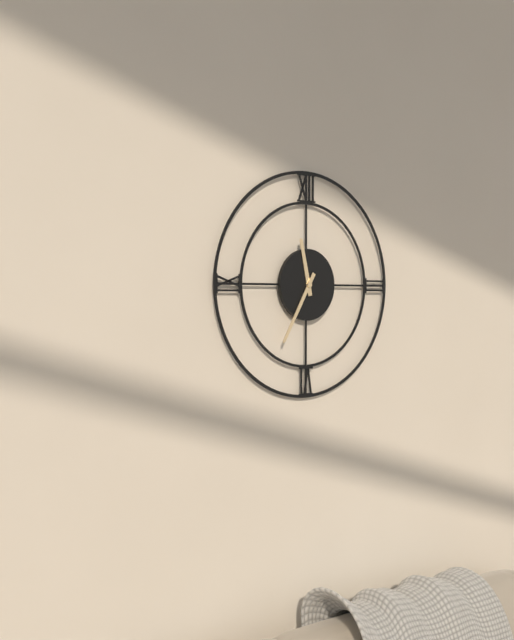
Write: 11:35
